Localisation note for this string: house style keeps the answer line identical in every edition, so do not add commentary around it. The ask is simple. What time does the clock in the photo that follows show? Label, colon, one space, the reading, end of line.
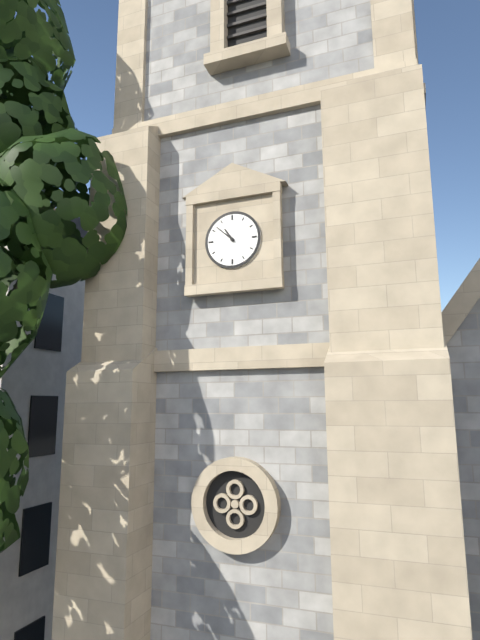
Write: 10:52
